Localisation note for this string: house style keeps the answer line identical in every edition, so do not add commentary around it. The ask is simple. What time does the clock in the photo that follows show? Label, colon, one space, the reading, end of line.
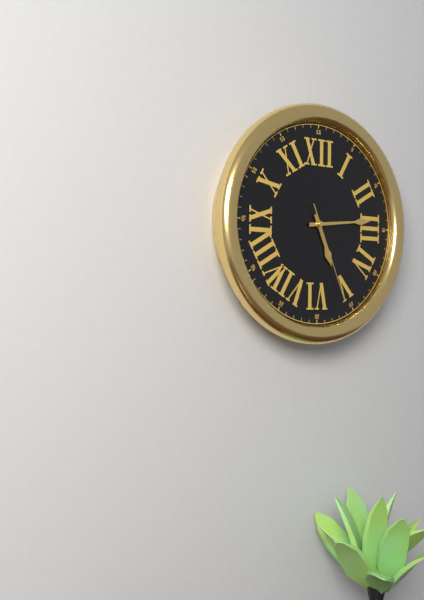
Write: 5:14:26
